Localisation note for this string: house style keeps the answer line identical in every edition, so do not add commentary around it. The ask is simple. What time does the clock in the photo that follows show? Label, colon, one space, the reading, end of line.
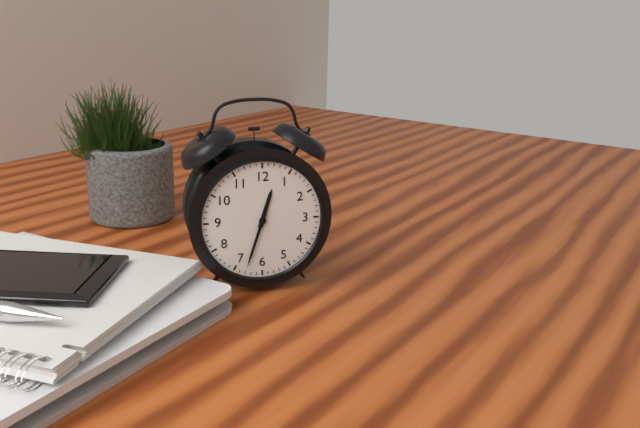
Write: 12:33
